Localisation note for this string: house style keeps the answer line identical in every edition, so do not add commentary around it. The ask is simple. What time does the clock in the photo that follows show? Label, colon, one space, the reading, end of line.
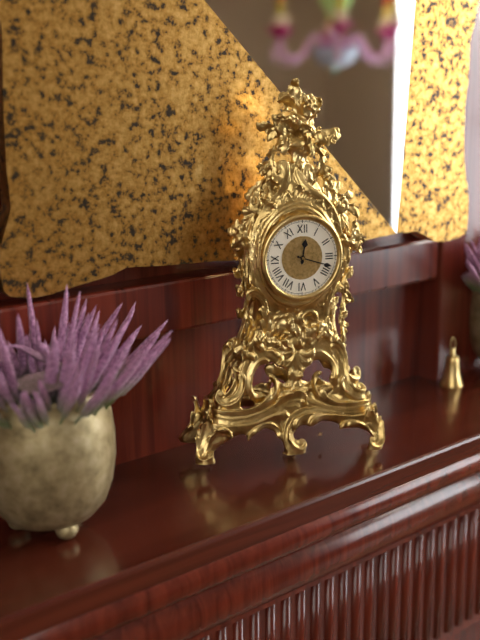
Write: 12:18
